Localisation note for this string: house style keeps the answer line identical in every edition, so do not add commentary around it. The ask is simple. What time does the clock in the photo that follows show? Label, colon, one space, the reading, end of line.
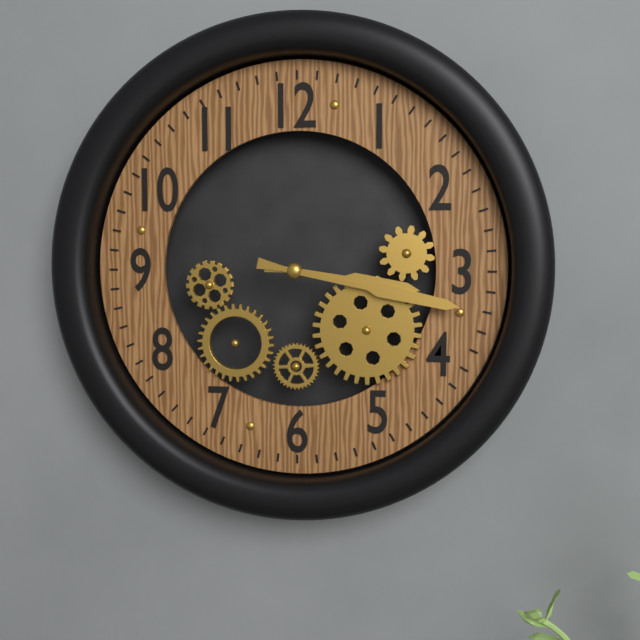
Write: 3:17
